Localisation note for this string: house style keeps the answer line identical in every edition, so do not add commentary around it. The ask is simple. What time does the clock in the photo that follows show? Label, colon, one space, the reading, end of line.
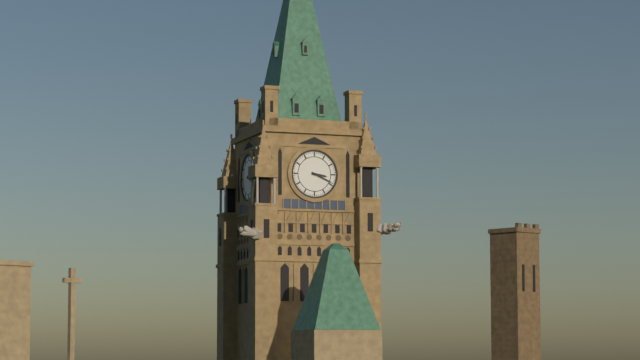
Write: 3:19
